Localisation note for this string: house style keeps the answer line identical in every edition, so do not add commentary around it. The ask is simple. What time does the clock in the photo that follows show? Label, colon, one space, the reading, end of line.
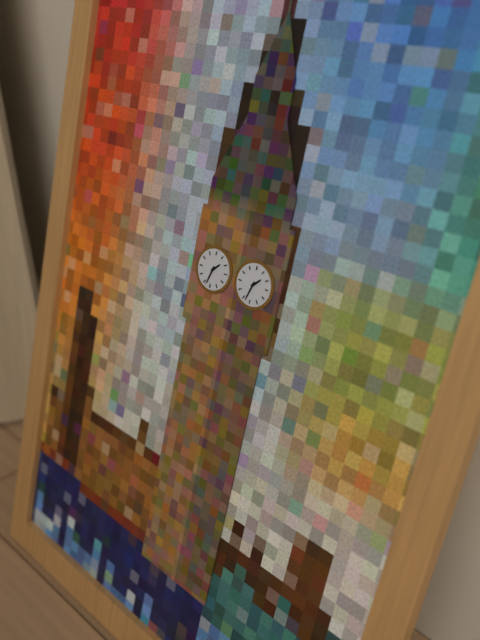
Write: 1:33
